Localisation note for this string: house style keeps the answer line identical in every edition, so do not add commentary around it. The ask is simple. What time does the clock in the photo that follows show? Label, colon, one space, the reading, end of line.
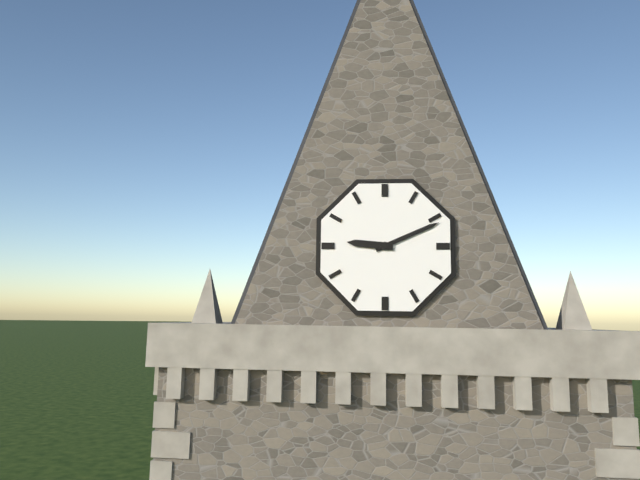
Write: 9:11
